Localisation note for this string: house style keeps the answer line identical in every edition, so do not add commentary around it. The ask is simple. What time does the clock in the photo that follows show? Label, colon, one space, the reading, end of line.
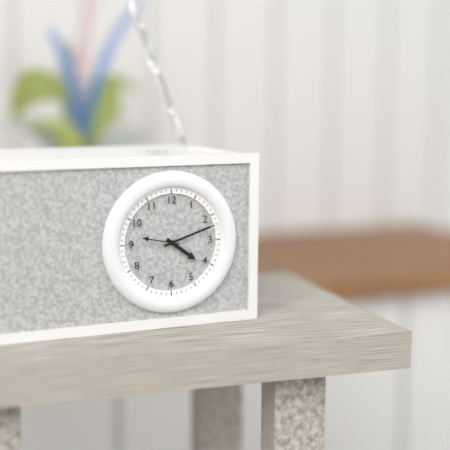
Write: 4:12
